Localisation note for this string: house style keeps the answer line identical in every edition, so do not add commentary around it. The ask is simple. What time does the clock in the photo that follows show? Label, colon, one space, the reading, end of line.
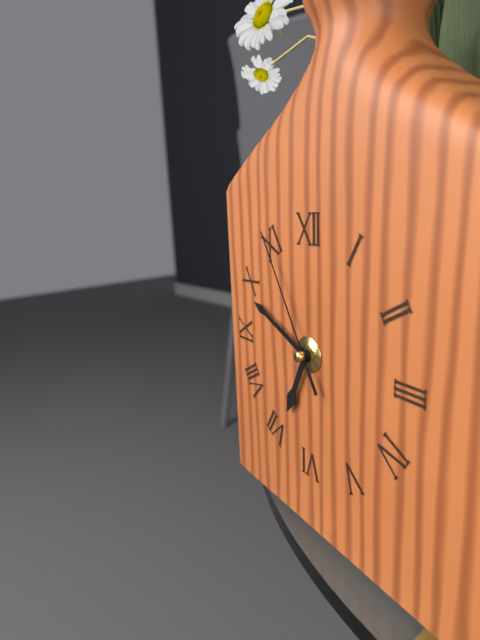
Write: 6:49:55
